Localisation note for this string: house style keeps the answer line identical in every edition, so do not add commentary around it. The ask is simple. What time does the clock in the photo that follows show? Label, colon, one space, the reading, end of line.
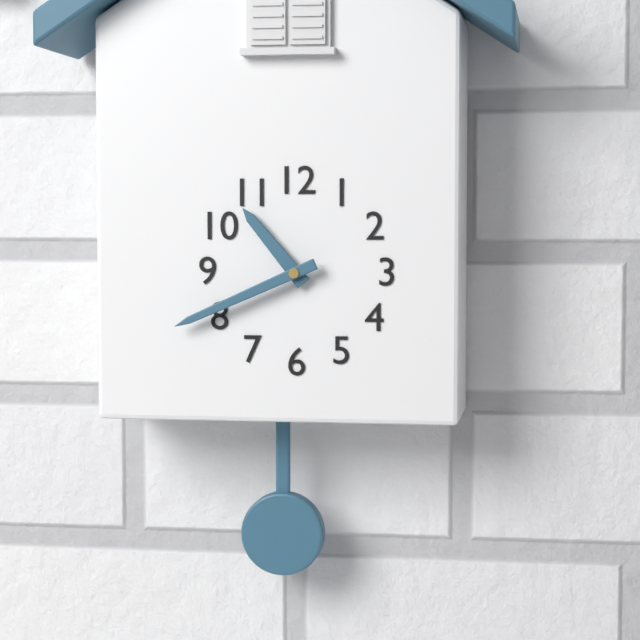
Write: 10:41
